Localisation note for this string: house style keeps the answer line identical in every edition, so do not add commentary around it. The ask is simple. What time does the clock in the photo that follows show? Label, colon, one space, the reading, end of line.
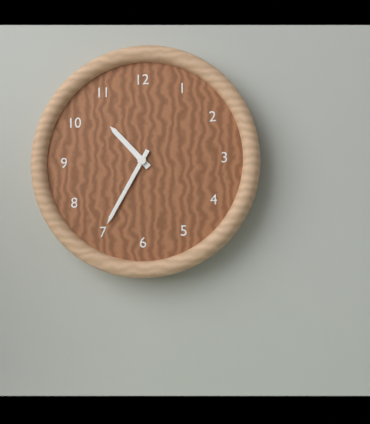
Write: 10:35
